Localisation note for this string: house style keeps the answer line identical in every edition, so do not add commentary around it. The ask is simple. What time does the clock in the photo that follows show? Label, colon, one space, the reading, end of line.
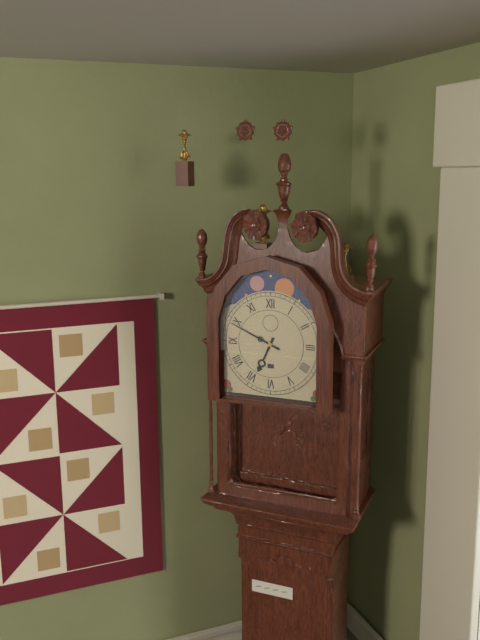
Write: 6:49
